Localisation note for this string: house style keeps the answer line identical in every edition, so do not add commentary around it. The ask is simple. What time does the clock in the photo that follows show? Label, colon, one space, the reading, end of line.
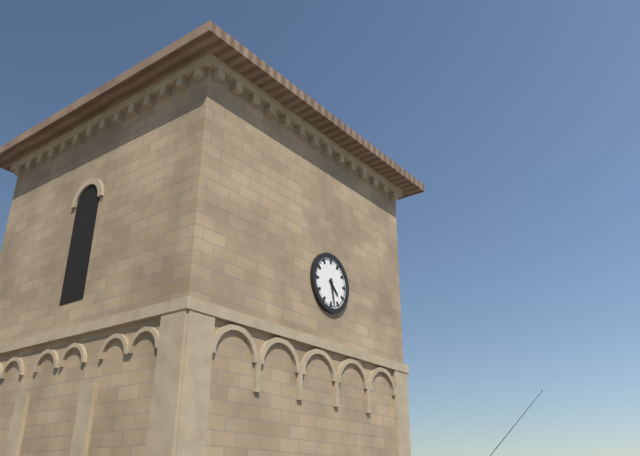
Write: 4:28
